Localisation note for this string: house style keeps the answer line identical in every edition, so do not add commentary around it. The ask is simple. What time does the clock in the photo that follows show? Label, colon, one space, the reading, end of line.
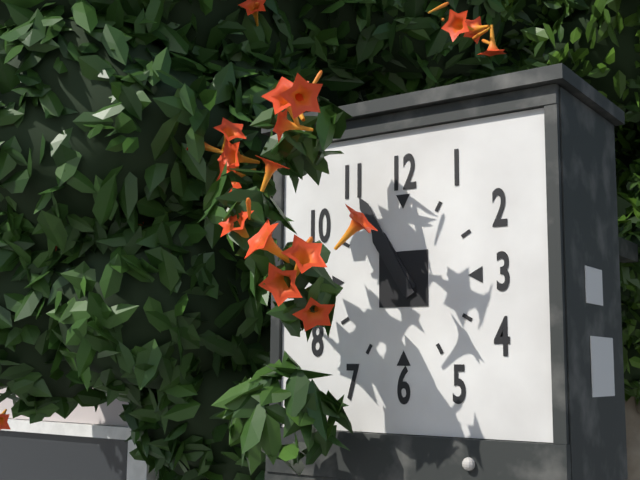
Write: 10:55
